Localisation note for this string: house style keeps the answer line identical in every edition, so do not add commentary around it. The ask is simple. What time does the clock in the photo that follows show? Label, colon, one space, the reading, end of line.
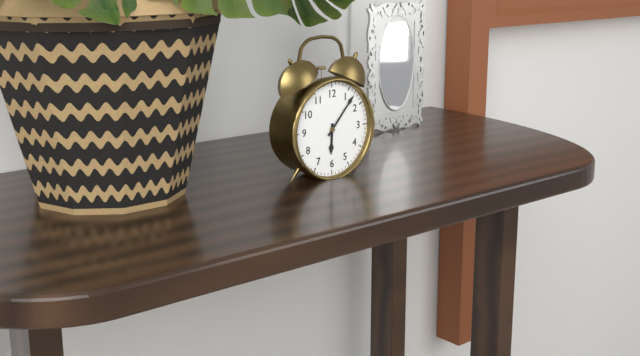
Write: 6:07
